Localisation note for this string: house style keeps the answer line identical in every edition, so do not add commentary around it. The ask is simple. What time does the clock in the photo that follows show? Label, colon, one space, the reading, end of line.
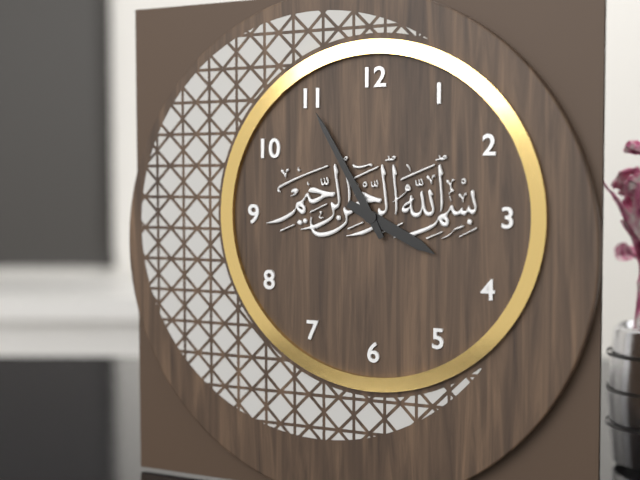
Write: 3:55
